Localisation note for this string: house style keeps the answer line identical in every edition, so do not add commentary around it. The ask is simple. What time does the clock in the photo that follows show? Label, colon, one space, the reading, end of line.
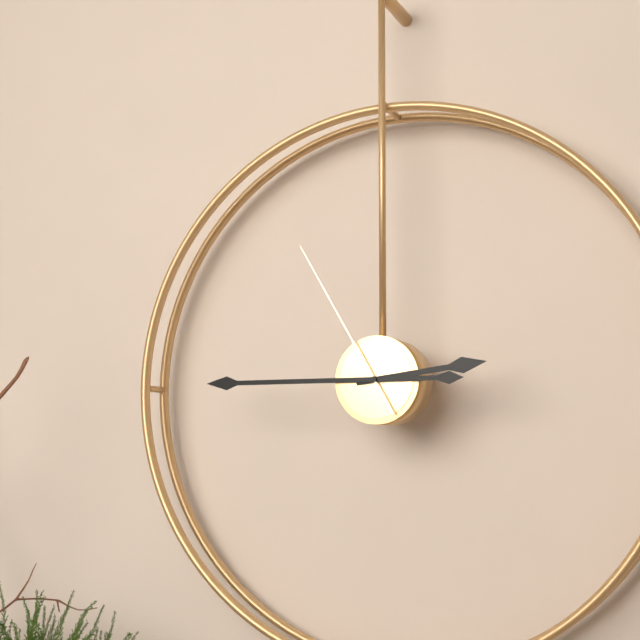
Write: 2:45:55
